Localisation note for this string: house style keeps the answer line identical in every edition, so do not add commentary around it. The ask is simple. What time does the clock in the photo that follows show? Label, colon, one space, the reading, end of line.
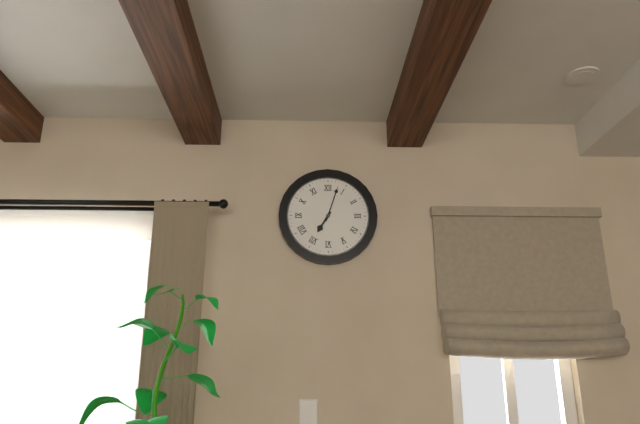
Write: 7:03
